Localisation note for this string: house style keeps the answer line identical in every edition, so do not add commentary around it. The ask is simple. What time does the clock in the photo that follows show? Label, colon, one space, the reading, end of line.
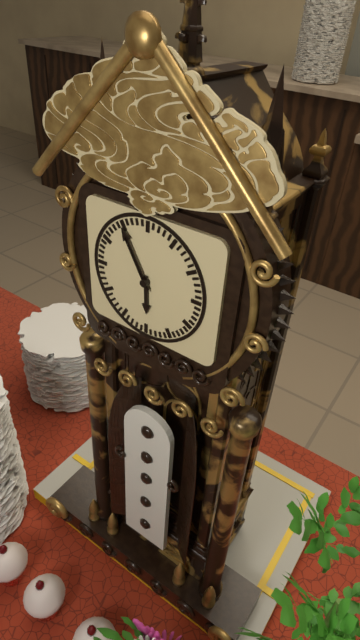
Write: 5:55:55
